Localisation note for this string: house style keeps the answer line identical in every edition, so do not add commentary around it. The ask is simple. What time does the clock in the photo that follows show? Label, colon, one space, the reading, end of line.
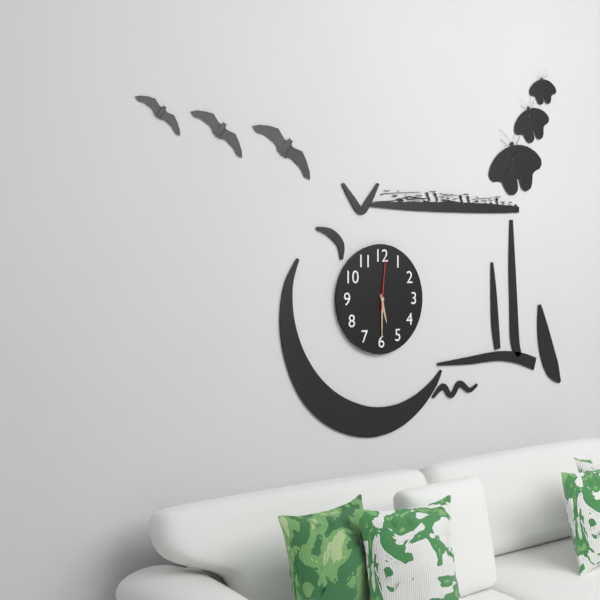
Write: 5:30:01
